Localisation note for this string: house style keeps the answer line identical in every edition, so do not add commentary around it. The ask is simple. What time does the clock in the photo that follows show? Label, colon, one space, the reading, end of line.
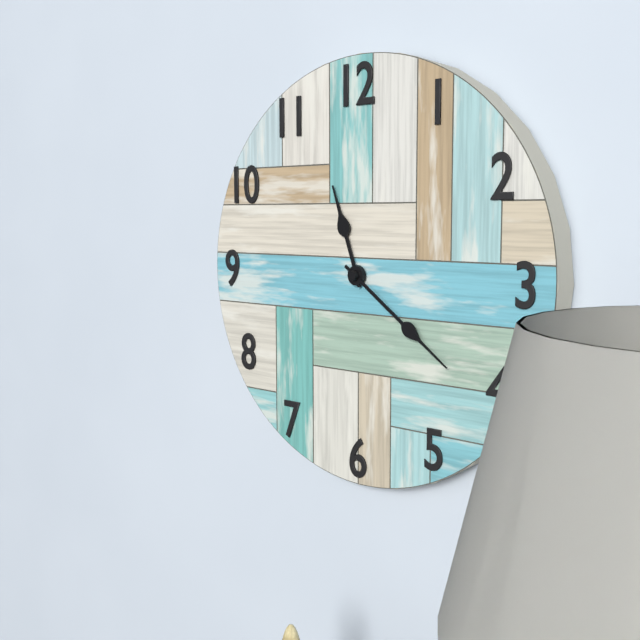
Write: 11:21
